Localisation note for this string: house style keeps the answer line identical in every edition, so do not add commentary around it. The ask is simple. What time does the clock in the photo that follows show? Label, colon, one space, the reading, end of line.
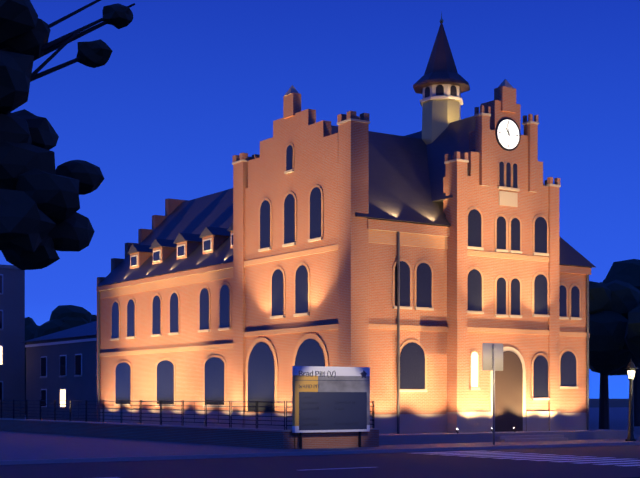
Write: 10:58
